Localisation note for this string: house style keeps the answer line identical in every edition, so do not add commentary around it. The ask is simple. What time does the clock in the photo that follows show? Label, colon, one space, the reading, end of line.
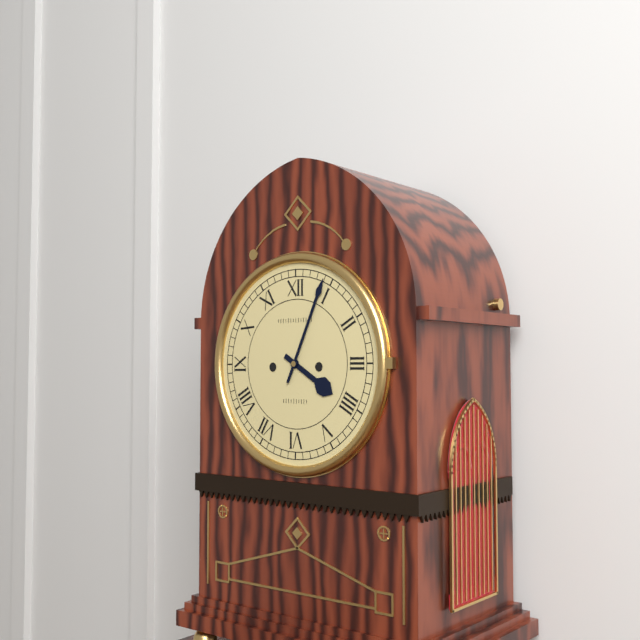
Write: 4:04
